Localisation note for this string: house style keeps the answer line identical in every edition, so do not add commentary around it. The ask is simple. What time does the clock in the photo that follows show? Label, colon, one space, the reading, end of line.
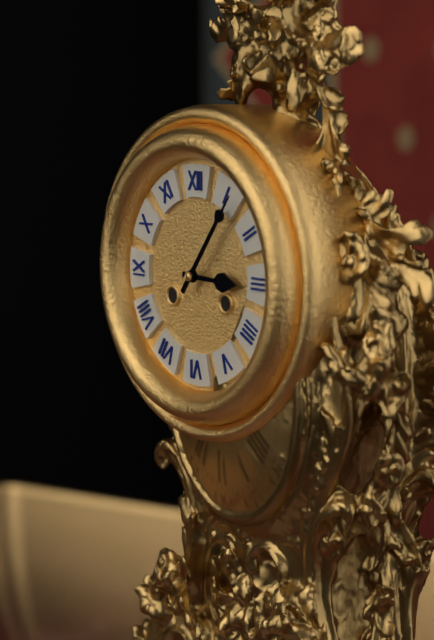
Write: 3:06
